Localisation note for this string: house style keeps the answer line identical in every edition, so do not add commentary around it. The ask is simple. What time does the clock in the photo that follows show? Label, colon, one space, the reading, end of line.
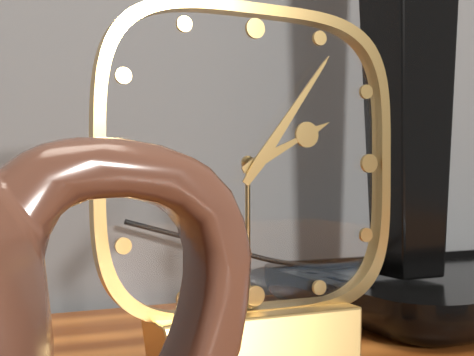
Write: 2:06
